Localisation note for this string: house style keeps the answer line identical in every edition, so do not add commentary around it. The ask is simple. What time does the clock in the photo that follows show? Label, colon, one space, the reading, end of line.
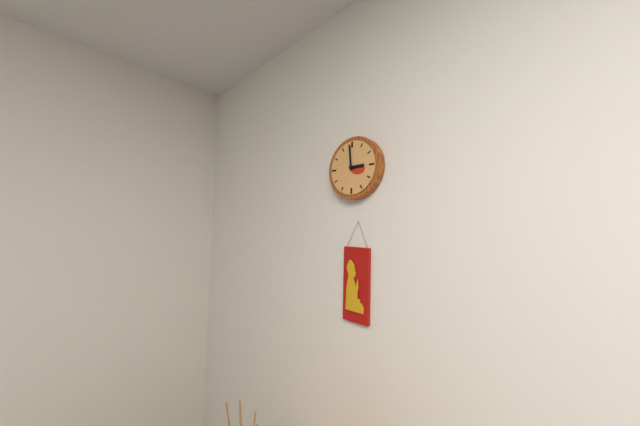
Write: 2:59
